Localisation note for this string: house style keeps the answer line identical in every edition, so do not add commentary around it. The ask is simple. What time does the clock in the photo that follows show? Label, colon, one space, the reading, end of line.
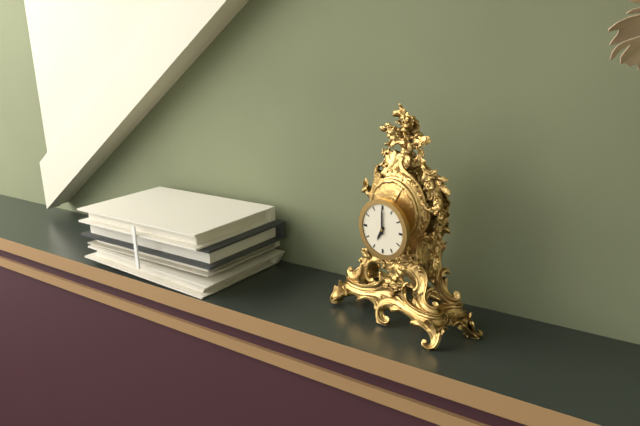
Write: 7:00
